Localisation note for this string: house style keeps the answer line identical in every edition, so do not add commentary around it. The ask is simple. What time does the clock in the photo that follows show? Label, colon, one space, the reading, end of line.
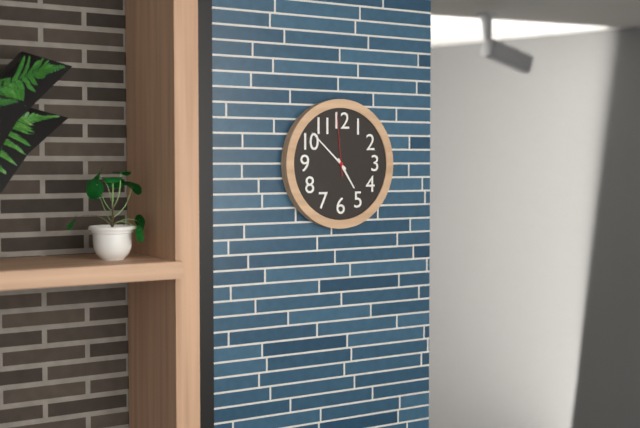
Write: 4:52:59
